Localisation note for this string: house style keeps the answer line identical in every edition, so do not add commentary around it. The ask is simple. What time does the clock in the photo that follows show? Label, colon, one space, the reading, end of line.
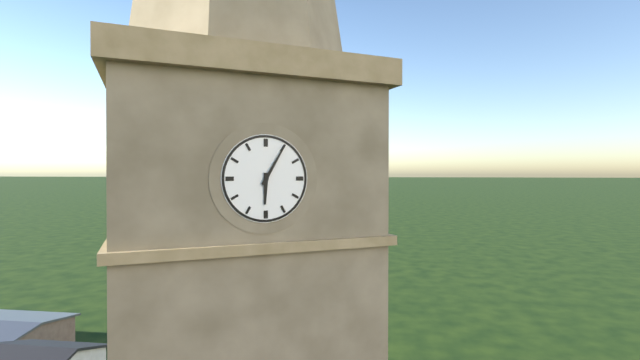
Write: 6:05
